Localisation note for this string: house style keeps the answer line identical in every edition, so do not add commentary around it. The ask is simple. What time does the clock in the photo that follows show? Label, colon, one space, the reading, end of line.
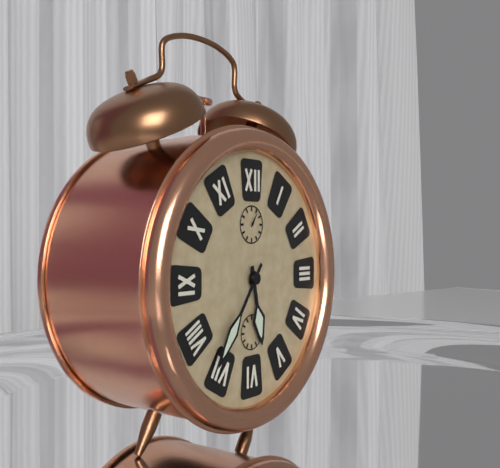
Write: 5:36
